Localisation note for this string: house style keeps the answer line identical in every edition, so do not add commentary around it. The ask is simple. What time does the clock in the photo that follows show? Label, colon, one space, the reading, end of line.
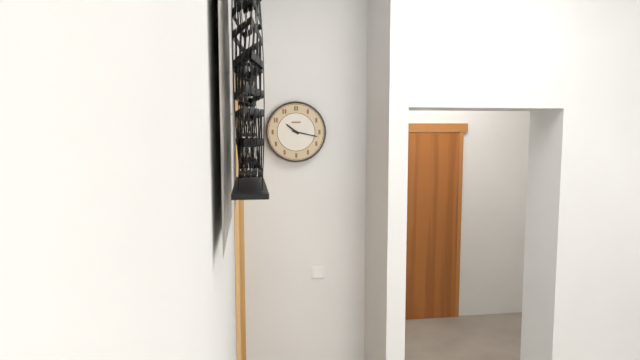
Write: 10:17
